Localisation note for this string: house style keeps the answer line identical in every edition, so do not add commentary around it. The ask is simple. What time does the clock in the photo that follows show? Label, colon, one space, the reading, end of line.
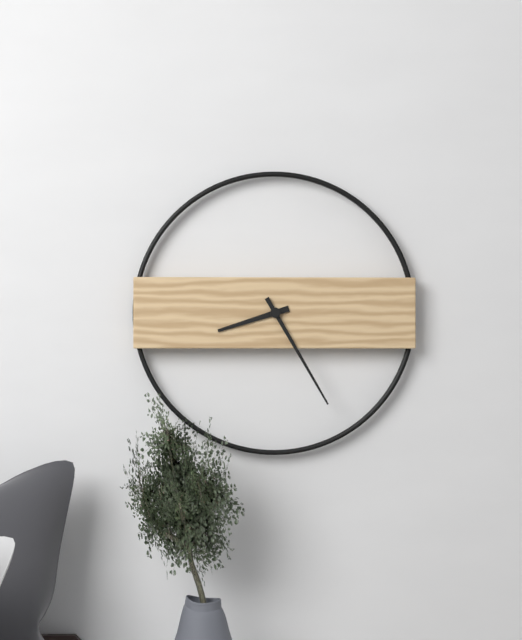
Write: 8:25
